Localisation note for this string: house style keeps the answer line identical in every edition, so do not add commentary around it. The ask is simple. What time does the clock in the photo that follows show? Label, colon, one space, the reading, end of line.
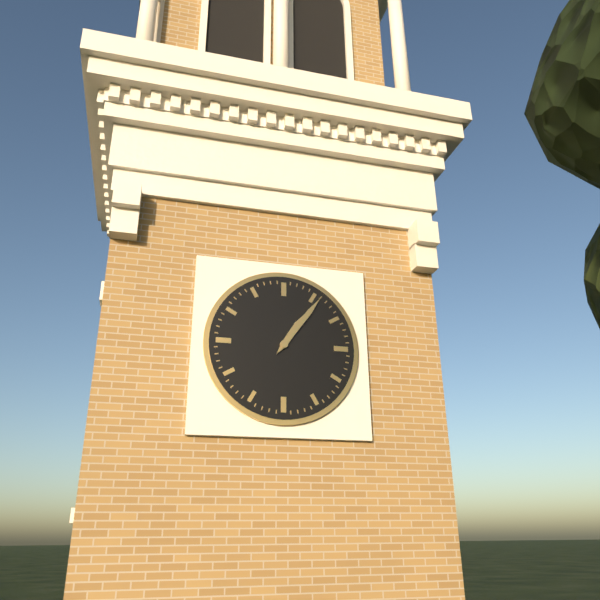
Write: 1:06
